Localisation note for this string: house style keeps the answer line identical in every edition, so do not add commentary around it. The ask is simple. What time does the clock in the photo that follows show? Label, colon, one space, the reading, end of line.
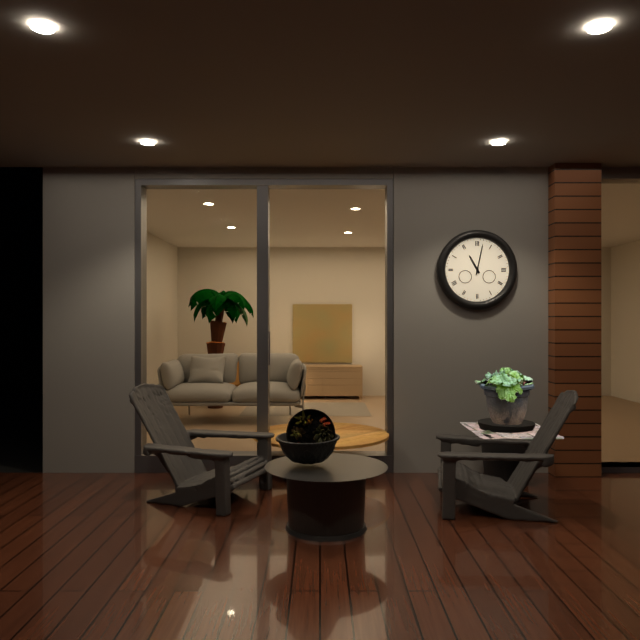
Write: 11:02
